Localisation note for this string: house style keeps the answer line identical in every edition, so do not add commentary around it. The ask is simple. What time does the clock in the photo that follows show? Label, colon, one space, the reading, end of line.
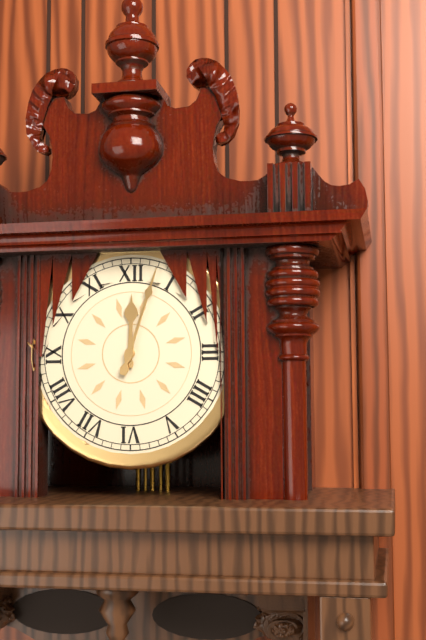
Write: 12:03
